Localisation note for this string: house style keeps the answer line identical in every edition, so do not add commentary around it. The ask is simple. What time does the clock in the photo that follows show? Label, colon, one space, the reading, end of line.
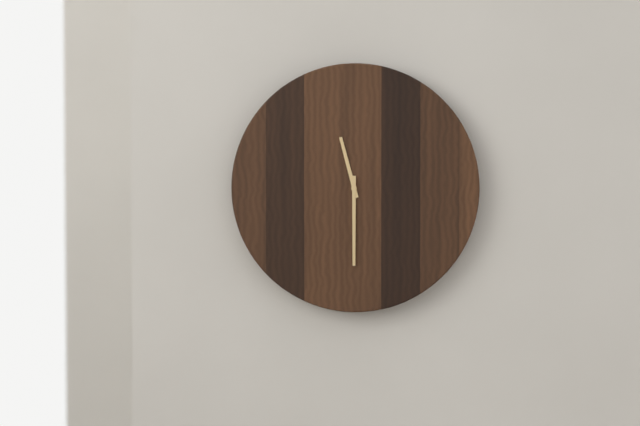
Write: 11:30
